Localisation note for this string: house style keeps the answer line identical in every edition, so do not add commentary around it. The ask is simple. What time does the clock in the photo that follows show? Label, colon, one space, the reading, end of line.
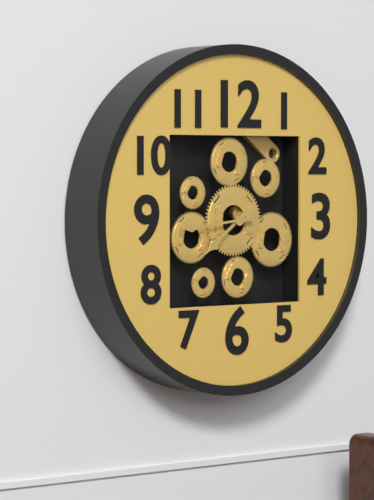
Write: 7:44
